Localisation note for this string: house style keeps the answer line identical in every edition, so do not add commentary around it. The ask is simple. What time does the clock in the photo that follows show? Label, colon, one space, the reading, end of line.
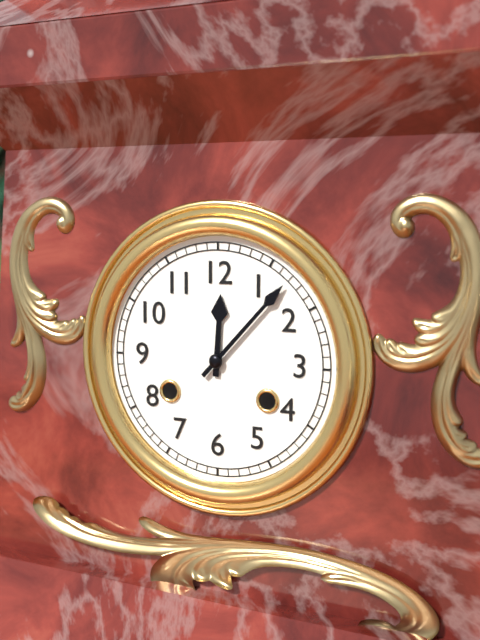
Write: 12:07
